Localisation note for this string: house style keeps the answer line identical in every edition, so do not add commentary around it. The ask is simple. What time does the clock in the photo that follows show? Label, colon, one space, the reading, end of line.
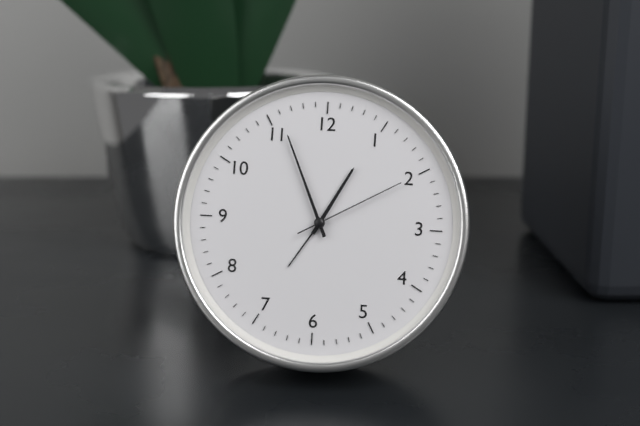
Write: 12:56:10
